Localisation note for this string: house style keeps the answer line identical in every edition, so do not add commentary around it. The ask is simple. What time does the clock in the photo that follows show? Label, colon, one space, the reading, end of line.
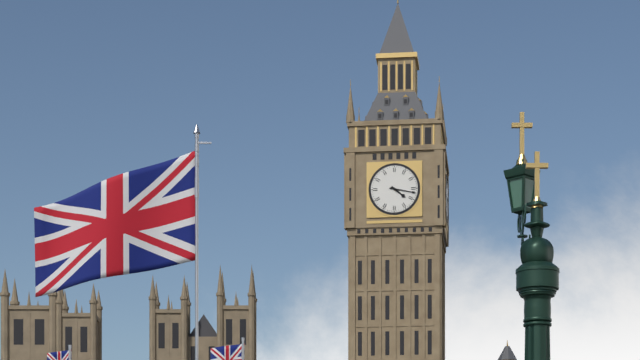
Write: 4:17
